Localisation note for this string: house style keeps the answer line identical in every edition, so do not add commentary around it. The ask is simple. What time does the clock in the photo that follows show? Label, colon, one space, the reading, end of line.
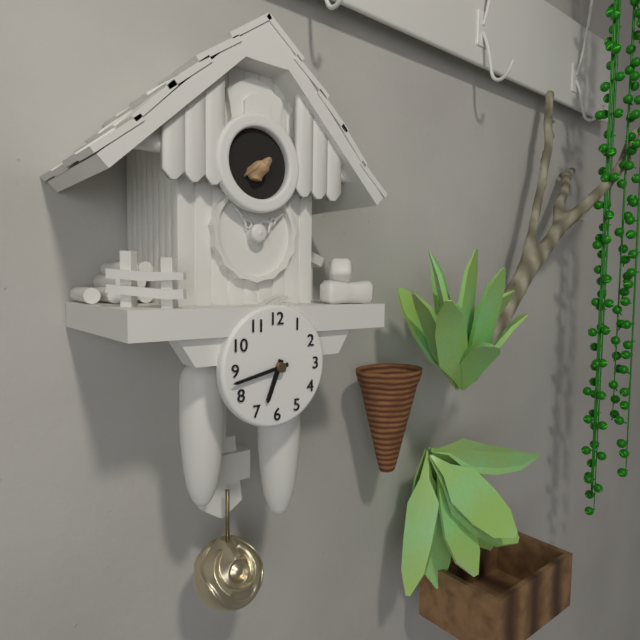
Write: 6:43
